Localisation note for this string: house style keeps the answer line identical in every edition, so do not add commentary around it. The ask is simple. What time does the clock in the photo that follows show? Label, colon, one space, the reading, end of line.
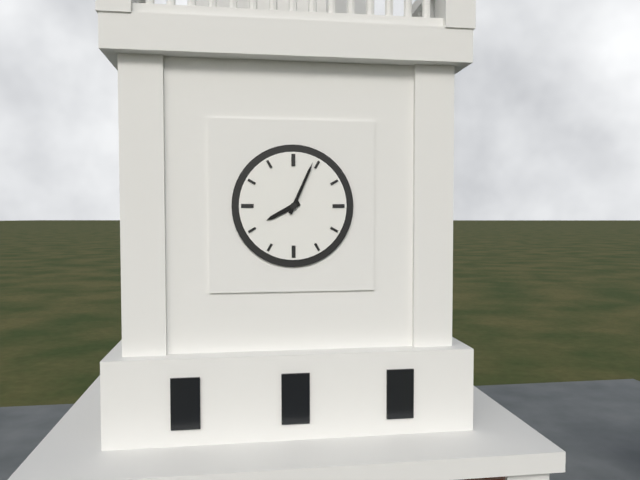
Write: 8:04
